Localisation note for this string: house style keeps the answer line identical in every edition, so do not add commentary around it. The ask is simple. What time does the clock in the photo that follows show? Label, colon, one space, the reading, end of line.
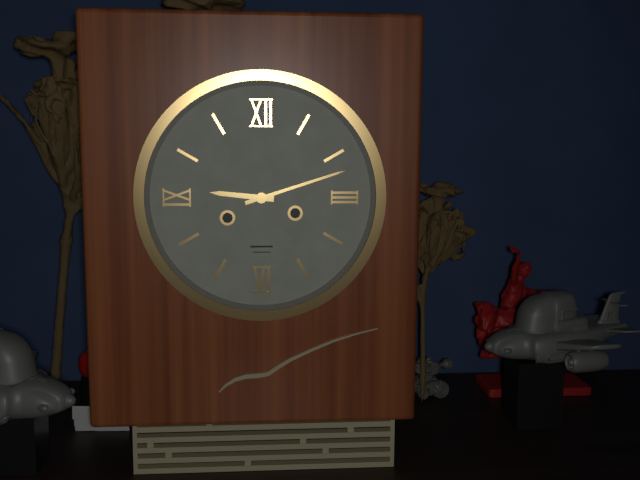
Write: 9:12
